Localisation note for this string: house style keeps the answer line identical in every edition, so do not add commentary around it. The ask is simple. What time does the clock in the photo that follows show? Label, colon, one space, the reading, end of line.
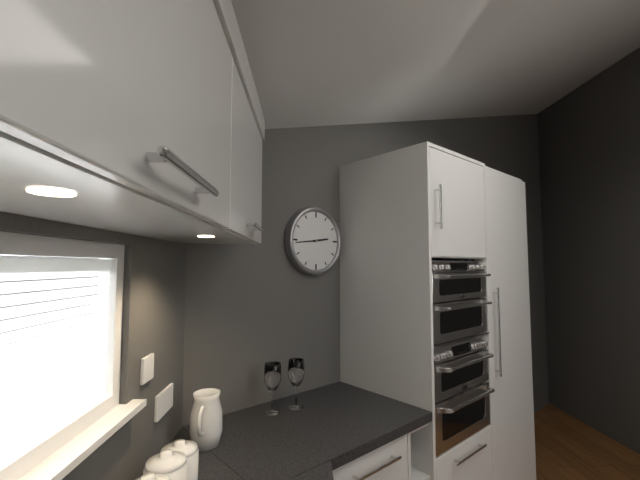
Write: 2:44
